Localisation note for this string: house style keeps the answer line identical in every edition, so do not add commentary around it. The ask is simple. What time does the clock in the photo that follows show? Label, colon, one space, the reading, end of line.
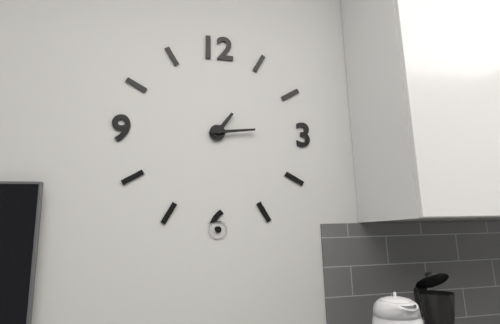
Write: 1:14
